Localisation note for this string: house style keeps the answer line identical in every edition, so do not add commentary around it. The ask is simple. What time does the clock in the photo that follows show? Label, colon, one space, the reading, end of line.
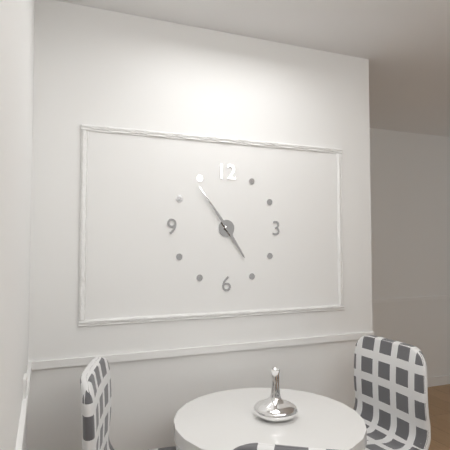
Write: 4:54
